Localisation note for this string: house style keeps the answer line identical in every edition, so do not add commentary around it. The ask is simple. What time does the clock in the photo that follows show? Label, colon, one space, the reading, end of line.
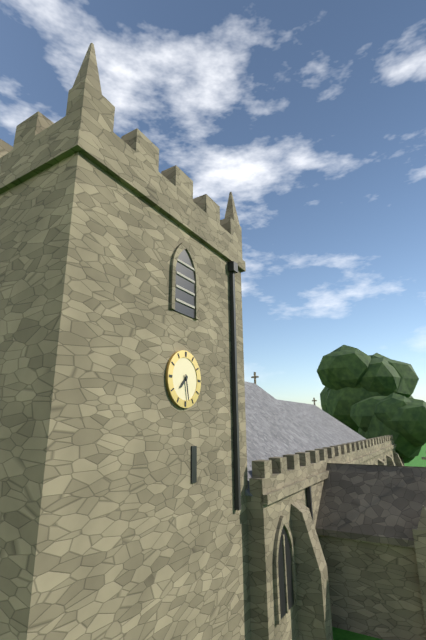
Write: 7:28
